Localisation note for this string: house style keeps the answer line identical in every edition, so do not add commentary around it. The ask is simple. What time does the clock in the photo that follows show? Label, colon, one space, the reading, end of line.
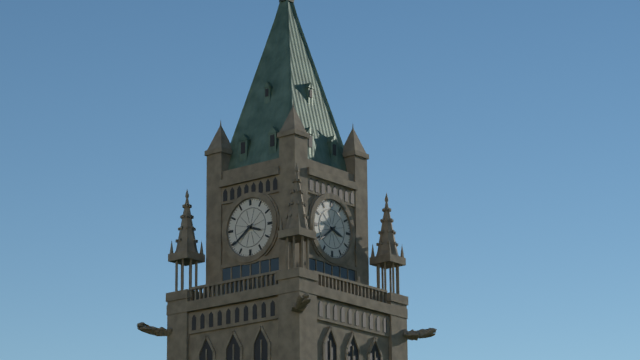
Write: 3:39
